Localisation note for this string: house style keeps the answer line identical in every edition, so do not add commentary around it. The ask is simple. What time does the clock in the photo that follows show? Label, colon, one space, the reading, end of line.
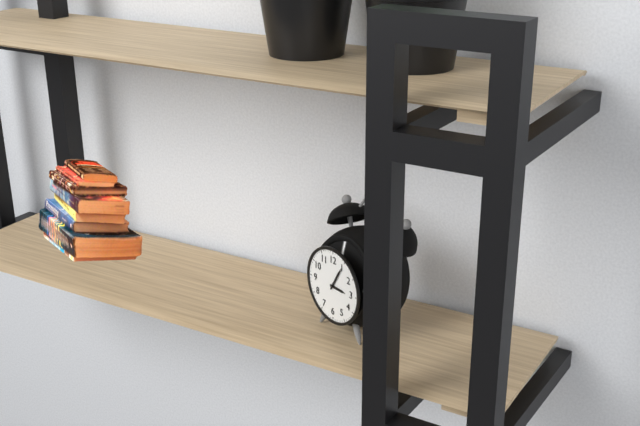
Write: 3:05
